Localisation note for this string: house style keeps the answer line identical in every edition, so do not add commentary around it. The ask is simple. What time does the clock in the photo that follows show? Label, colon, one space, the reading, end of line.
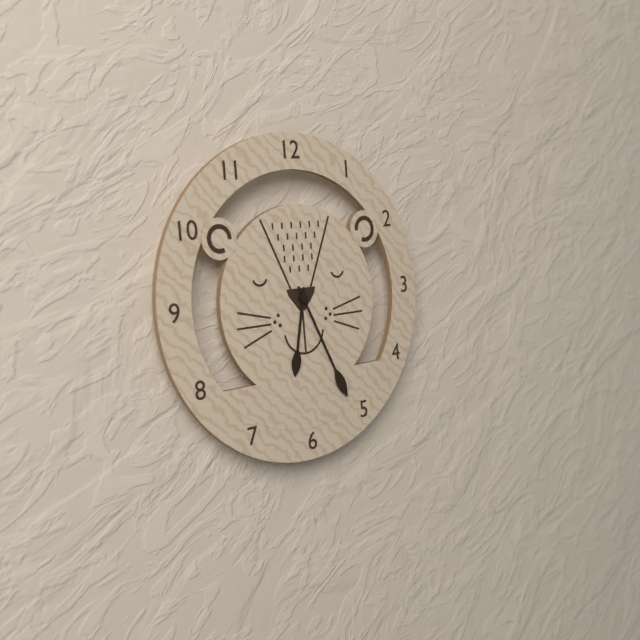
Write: 6:26
